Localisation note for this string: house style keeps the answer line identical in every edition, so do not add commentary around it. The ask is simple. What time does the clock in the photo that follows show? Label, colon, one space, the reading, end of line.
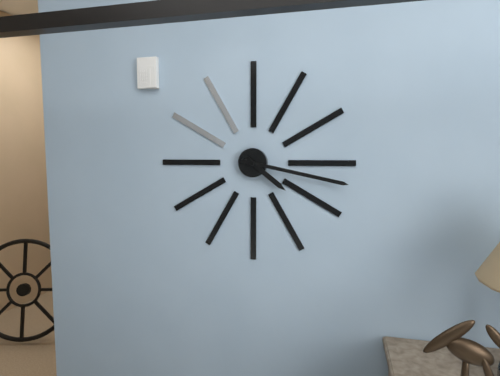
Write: 4:17
